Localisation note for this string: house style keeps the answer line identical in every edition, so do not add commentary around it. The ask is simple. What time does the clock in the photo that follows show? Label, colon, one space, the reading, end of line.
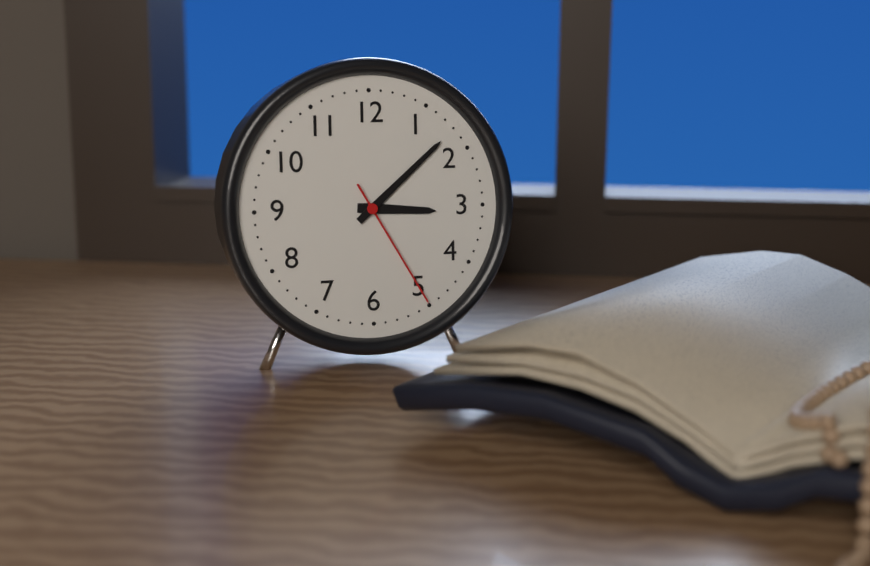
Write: 3:08:25
